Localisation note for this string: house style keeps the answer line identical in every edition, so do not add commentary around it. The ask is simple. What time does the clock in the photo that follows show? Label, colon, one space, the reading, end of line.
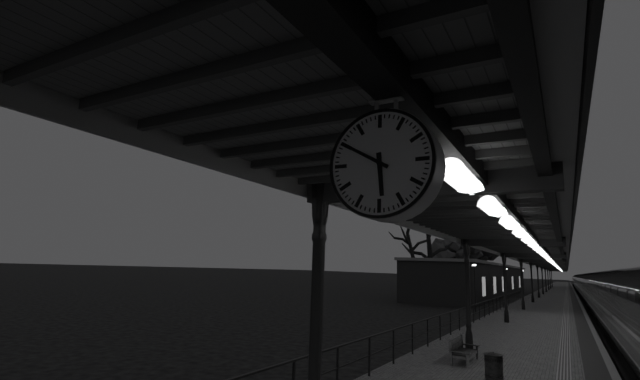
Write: 5:50
